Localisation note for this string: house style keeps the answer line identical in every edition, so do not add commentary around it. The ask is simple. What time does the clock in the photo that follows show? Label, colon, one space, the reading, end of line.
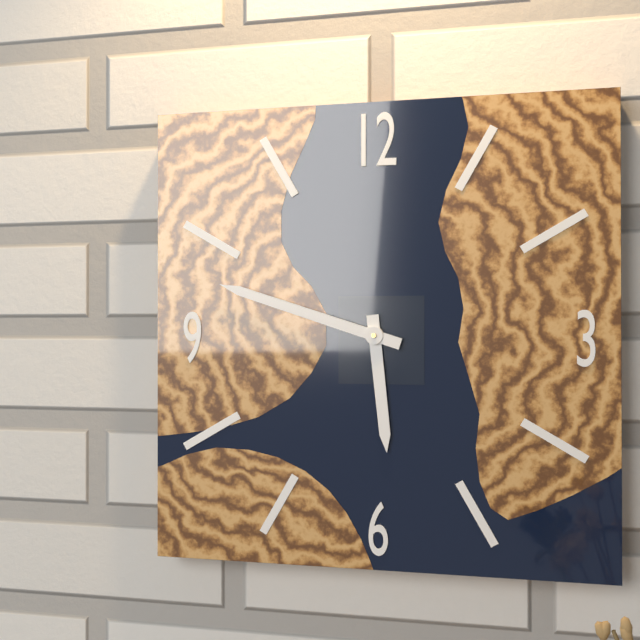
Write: 5:48
